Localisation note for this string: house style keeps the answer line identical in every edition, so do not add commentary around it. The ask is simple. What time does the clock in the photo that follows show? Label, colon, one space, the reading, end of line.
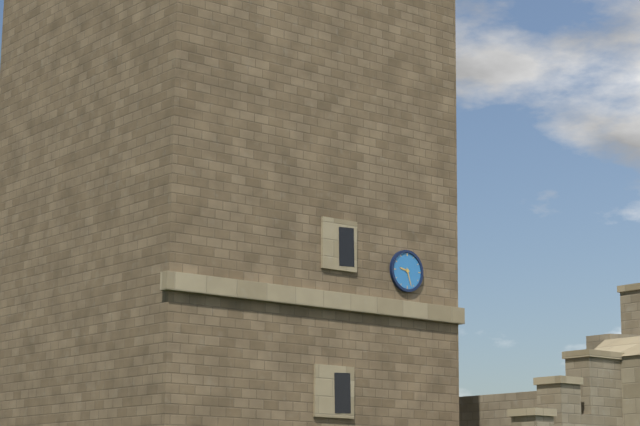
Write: 9:27
